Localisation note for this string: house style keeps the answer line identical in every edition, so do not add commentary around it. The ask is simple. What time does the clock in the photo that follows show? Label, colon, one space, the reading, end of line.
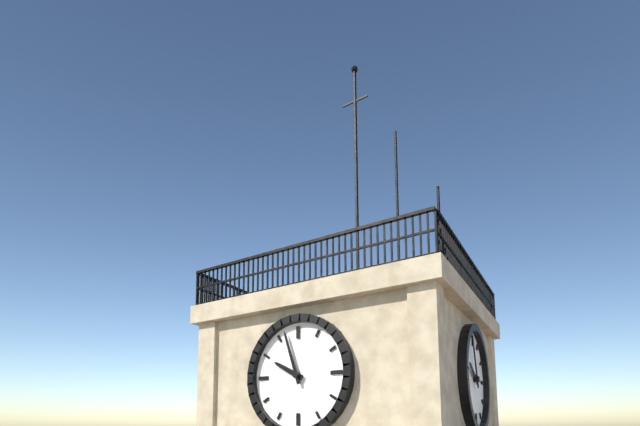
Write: 9:57
